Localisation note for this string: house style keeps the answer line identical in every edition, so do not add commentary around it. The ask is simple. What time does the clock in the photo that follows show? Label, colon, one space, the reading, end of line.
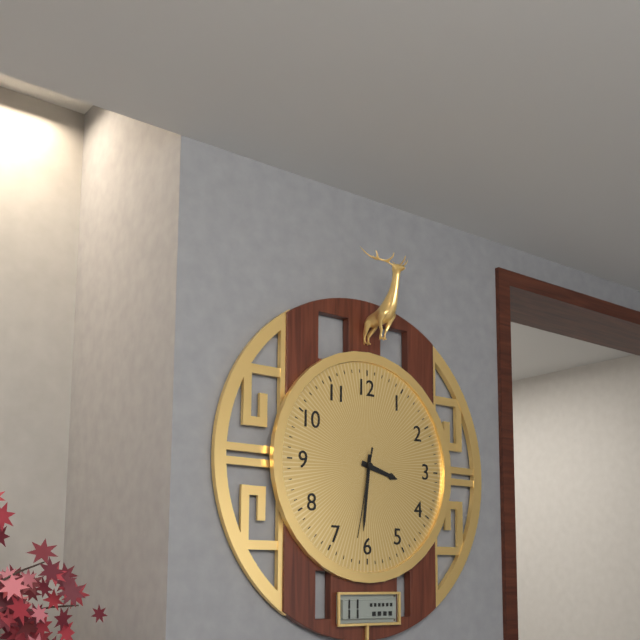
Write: 3:31:32
